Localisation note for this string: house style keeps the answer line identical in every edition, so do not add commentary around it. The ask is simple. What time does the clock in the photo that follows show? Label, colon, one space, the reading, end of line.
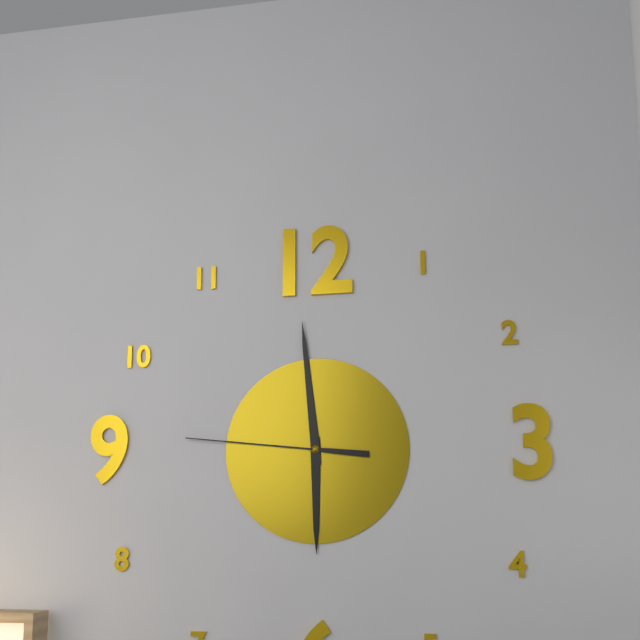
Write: 5:59:46
